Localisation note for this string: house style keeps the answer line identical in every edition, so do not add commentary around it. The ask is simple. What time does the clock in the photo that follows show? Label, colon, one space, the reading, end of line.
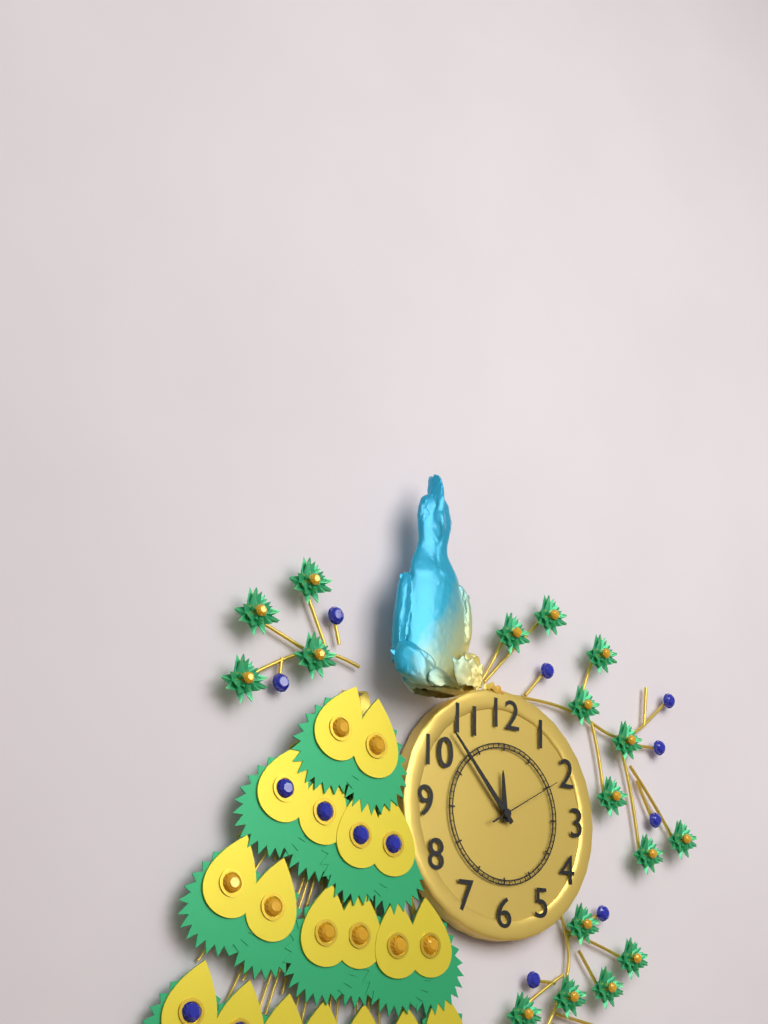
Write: 11:53:10
